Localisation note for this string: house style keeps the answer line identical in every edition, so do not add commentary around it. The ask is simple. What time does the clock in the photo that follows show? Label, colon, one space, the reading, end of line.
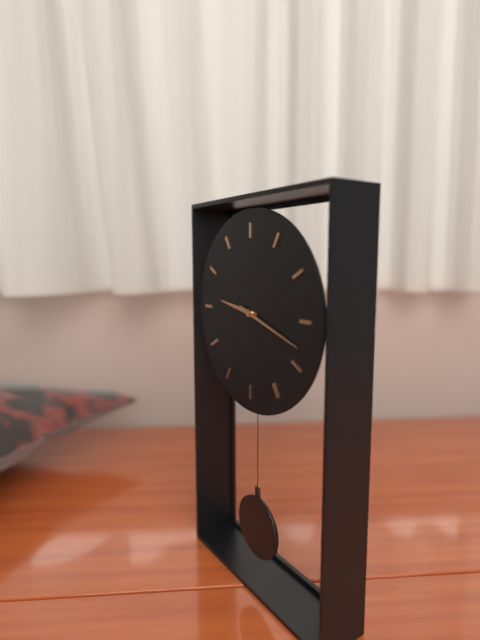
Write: 9:18
